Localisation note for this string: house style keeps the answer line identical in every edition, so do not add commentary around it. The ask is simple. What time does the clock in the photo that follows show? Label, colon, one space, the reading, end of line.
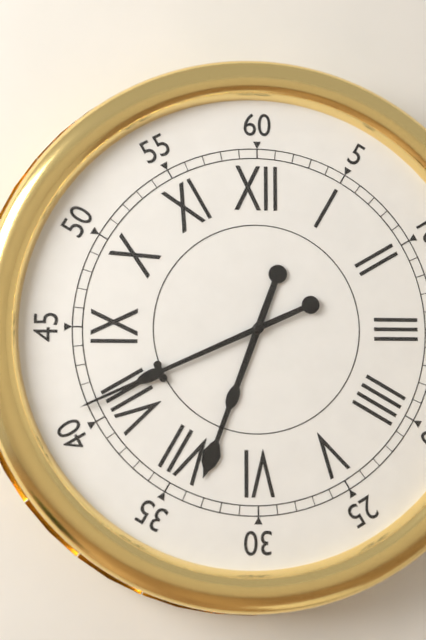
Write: 6:41
